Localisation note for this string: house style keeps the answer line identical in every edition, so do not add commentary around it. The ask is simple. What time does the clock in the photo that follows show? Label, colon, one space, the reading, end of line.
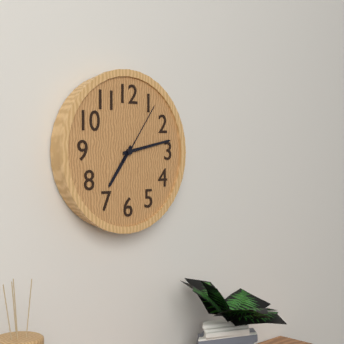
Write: 7:13:06
